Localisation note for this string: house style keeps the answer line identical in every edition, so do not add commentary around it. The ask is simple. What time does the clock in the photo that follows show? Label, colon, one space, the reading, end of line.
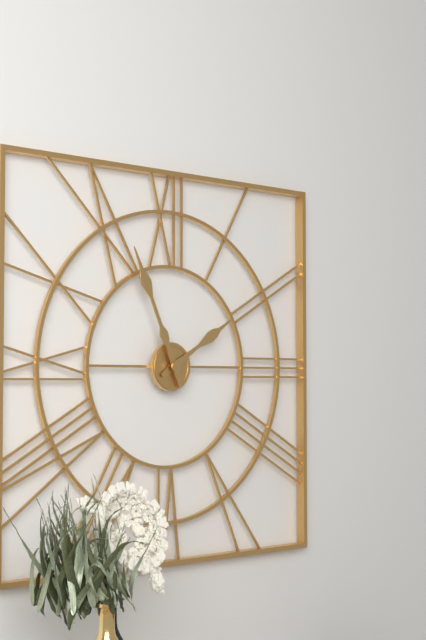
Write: 1:56
